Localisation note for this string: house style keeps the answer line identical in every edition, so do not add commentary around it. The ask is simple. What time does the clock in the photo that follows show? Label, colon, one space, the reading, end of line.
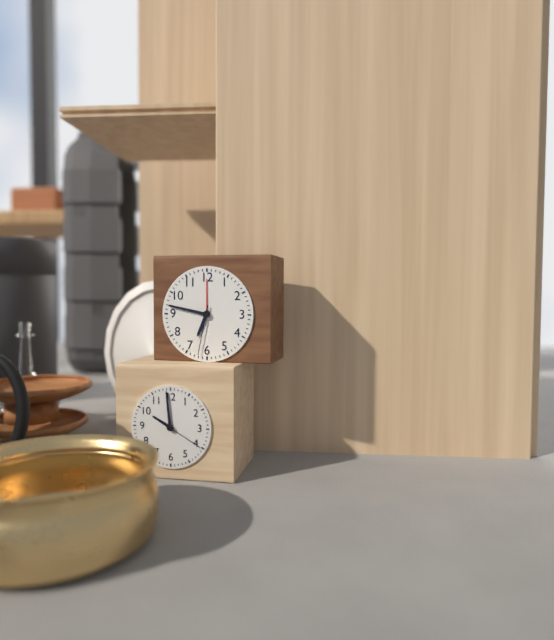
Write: 6:47:32
